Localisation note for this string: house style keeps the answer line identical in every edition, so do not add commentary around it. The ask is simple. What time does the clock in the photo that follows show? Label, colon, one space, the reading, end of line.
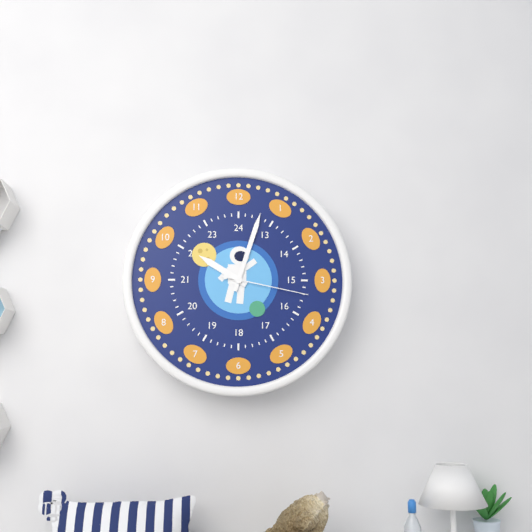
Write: 10:03:17
